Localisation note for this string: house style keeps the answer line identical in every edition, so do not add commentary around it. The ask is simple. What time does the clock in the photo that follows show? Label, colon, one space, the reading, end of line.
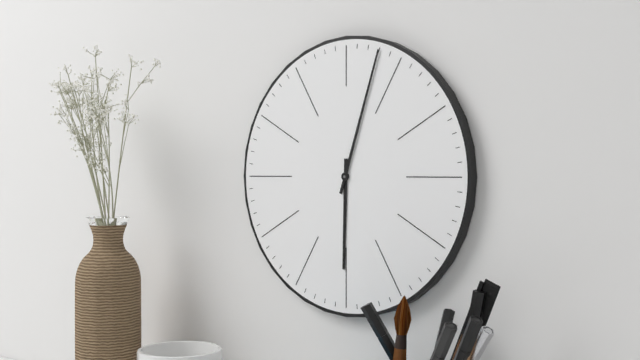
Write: 6:03
